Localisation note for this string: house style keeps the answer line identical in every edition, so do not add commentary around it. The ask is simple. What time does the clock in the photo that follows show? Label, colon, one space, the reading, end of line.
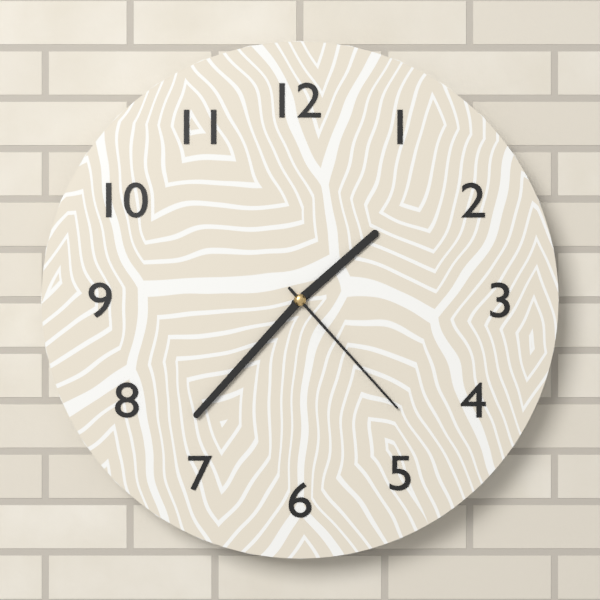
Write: 1:37:23
